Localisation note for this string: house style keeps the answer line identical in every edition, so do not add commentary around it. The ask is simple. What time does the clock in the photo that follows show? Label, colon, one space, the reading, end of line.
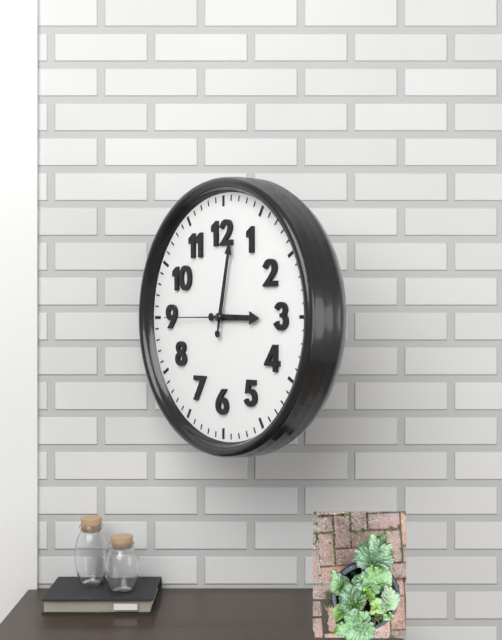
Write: 3:02:45
